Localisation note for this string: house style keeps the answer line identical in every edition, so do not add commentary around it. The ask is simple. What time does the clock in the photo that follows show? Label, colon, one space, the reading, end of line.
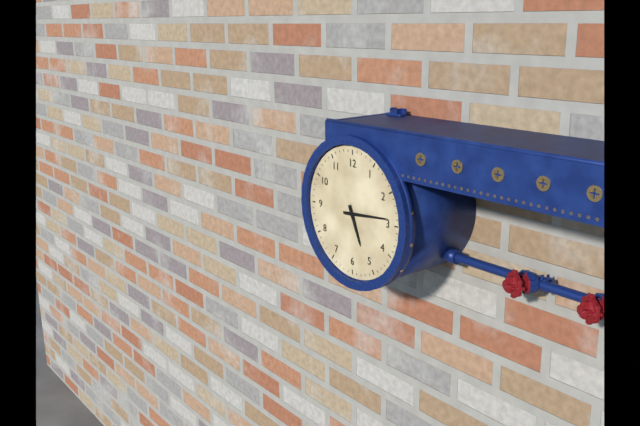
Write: 5:14
